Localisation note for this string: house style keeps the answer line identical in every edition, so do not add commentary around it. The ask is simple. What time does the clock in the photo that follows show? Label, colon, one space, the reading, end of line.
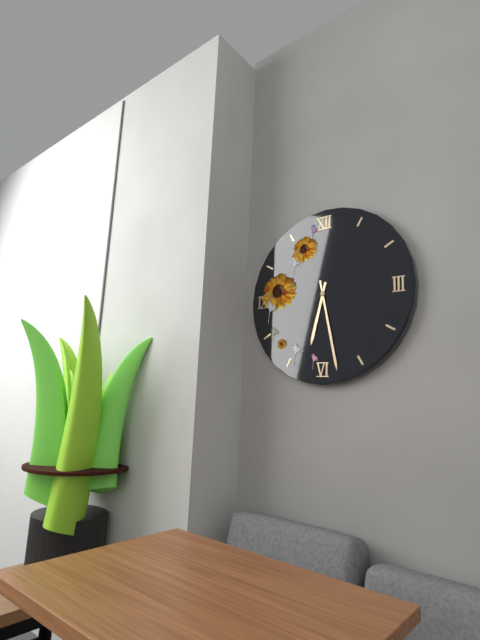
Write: 6:28
